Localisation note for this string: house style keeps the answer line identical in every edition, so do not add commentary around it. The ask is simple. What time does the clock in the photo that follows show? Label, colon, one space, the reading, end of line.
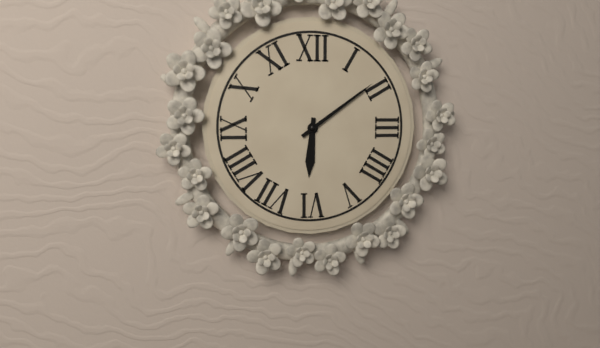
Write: 6:09
